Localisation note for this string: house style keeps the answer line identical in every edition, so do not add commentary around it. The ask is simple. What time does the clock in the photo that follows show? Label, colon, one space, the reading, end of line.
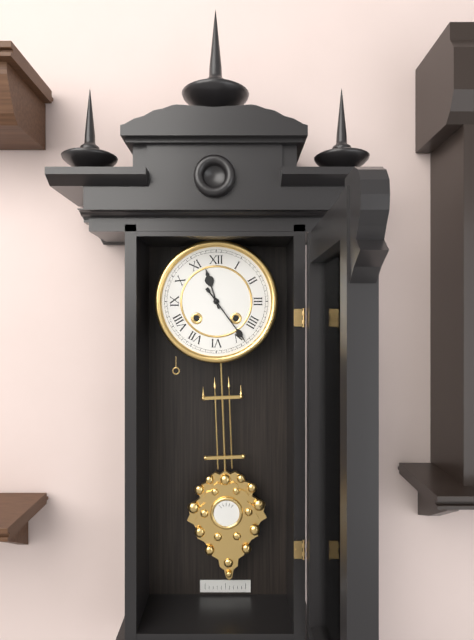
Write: 11:24
